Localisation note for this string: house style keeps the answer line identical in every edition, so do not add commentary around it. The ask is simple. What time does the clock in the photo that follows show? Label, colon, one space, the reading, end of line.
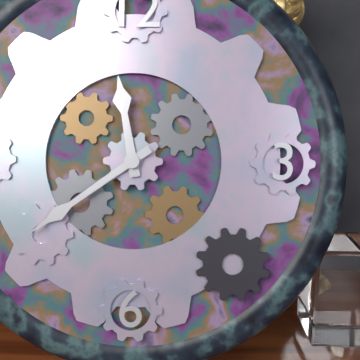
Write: 11:39
